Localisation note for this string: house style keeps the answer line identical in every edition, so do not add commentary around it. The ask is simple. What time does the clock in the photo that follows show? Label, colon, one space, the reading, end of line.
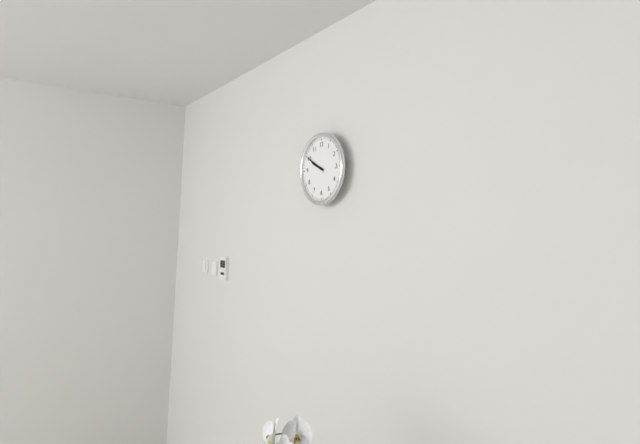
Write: 9:50
